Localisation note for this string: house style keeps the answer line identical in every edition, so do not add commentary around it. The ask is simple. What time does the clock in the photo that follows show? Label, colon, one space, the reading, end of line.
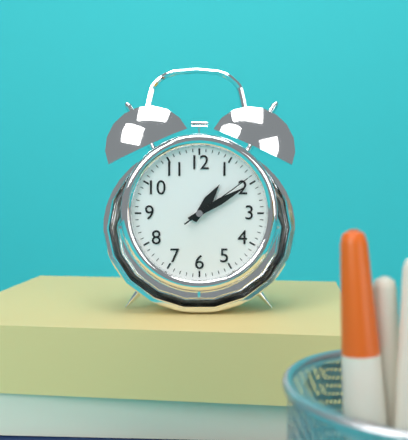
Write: 1:10:09
